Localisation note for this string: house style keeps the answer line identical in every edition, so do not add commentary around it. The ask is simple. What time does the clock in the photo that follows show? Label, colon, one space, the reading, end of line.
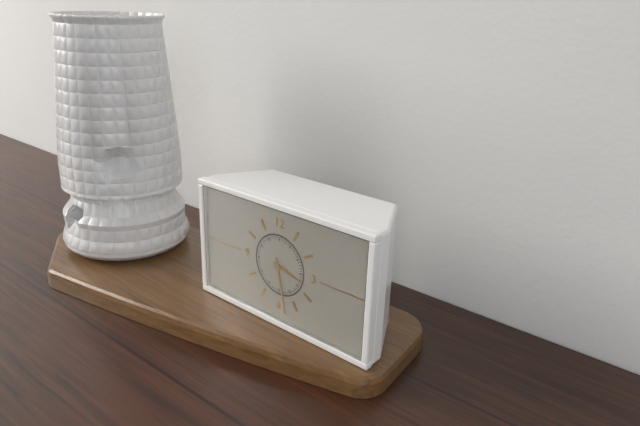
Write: 3:28
